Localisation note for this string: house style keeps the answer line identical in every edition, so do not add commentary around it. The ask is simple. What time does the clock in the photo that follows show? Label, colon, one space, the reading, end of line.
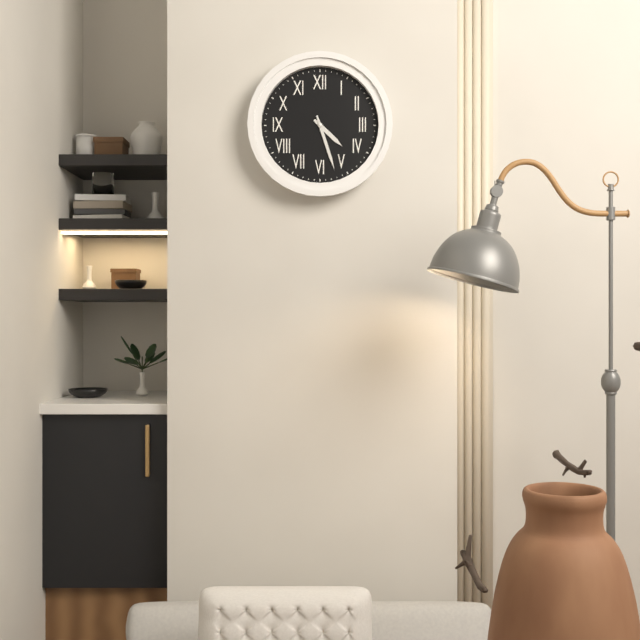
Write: 4:27
